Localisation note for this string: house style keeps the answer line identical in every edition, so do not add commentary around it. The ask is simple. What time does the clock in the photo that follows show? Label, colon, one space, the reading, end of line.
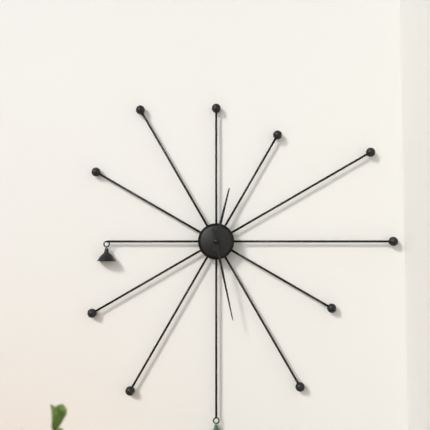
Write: 12:28
